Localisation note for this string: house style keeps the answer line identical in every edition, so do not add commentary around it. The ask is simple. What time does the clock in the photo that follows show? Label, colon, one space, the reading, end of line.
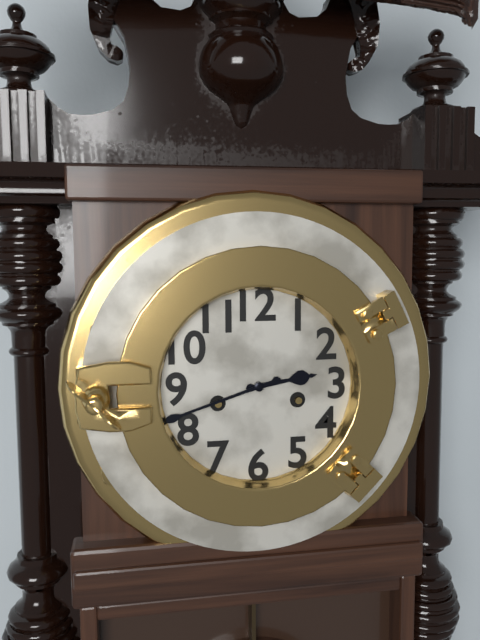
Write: 2:42
